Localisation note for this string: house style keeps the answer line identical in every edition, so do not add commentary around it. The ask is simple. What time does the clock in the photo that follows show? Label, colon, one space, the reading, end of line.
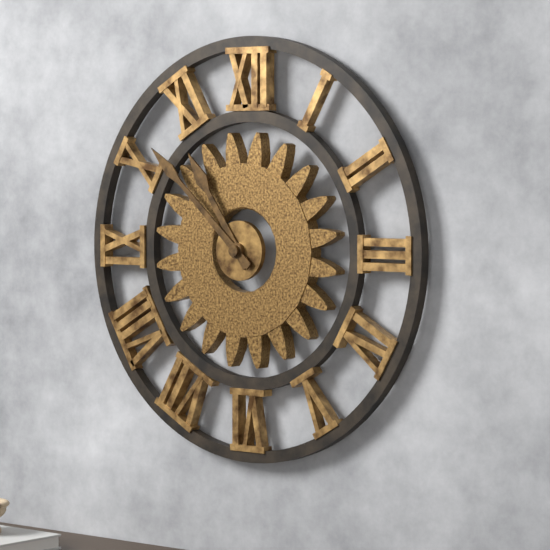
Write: 10:52
